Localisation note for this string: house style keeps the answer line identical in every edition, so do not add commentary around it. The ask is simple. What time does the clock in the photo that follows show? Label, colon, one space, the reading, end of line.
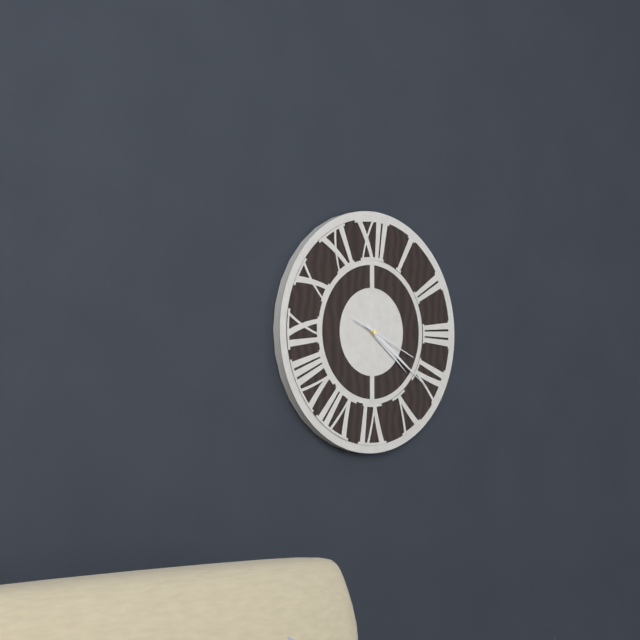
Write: 4:21:19
